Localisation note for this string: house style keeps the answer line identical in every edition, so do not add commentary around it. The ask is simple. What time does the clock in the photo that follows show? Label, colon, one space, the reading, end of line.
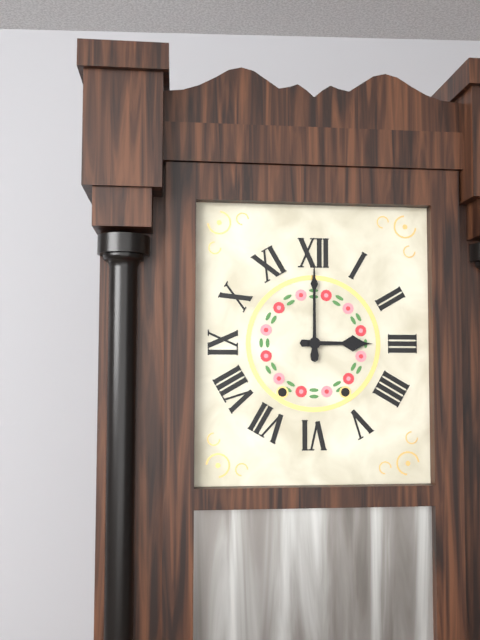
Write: 3:00
